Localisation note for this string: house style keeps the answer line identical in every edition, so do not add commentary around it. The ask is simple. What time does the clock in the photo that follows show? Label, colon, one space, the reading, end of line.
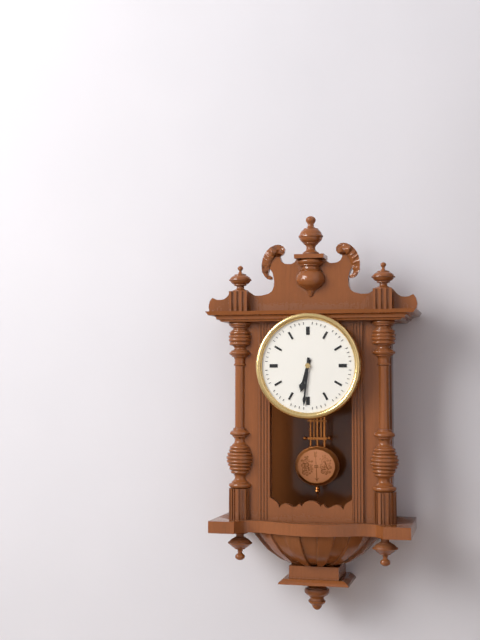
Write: 6:31
